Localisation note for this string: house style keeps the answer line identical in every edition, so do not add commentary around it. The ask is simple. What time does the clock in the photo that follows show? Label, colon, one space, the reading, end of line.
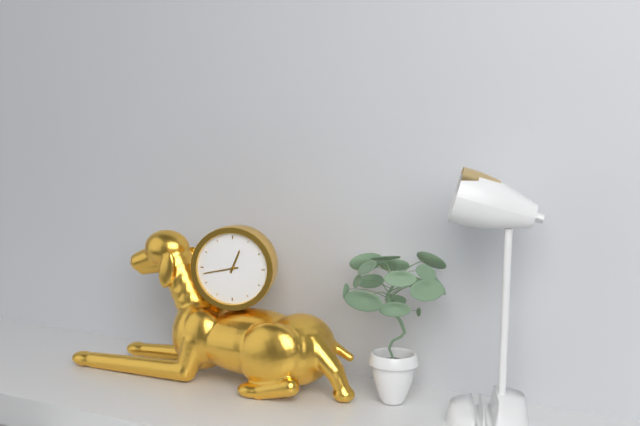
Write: 12:43
